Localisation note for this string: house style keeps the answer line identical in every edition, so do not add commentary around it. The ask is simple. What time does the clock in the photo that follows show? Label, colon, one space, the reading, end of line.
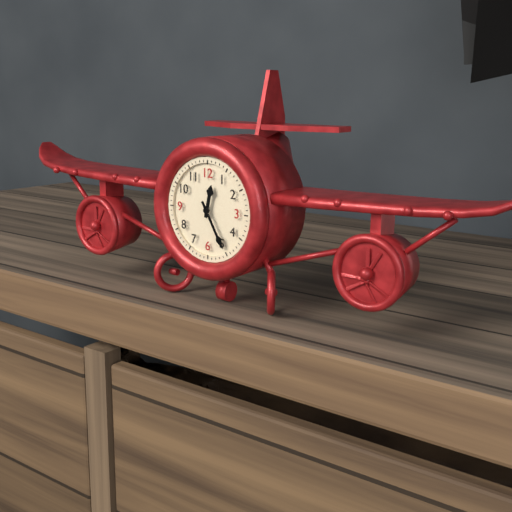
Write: 12:25
